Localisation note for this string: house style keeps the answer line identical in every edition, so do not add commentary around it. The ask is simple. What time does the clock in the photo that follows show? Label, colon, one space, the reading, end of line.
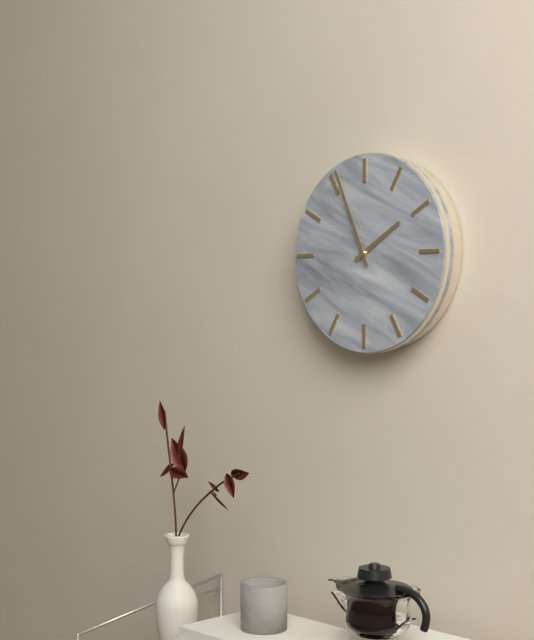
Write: 1:56
